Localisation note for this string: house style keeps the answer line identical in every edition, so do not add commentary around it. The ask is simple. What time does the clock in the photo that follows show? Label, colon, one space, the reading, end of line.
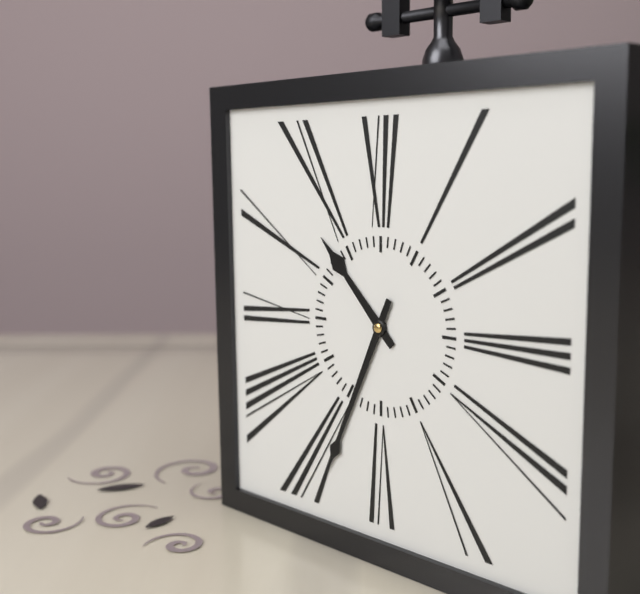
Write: 10:34
